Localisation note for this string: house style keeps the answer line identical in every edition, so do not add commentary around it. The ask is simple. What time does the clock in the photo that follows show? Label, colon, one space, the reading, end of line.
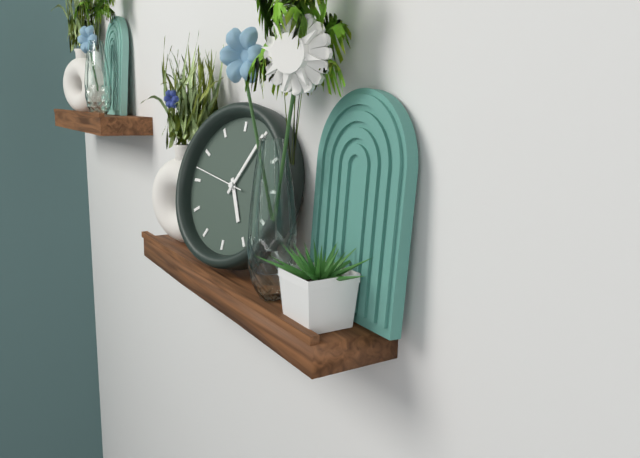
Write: 5:05
